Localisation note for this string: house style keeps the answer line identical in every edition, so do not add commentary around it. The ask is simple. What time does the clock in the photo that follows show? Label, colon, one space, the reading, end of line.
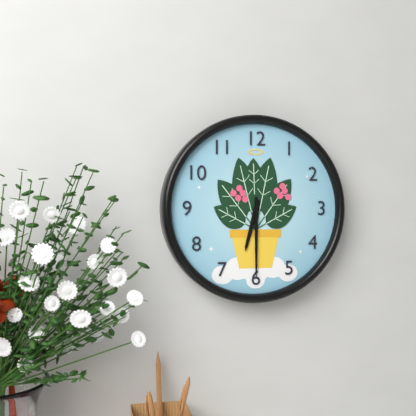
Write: 6:30
